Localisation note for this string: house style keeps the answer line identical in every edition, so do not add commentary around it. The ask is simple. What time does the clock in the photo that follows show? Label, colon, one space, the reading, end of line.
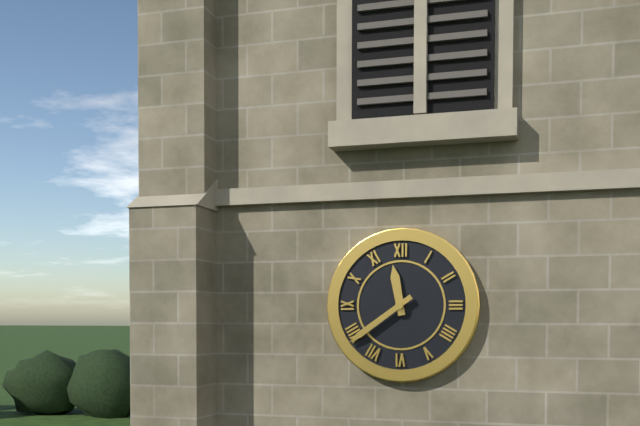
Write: 11:39
